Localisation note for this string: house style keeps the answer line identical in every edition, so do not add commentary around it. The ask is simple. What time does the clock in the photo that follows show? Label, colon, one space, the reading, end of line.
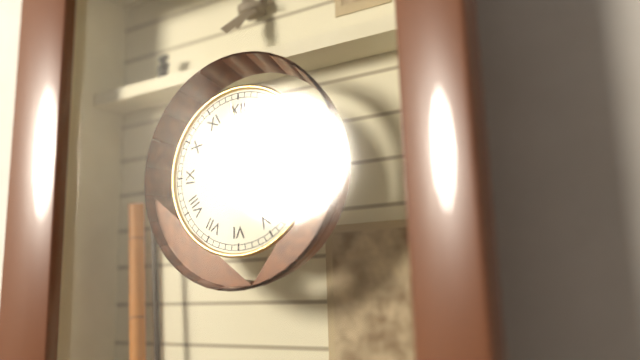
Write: 11:59
